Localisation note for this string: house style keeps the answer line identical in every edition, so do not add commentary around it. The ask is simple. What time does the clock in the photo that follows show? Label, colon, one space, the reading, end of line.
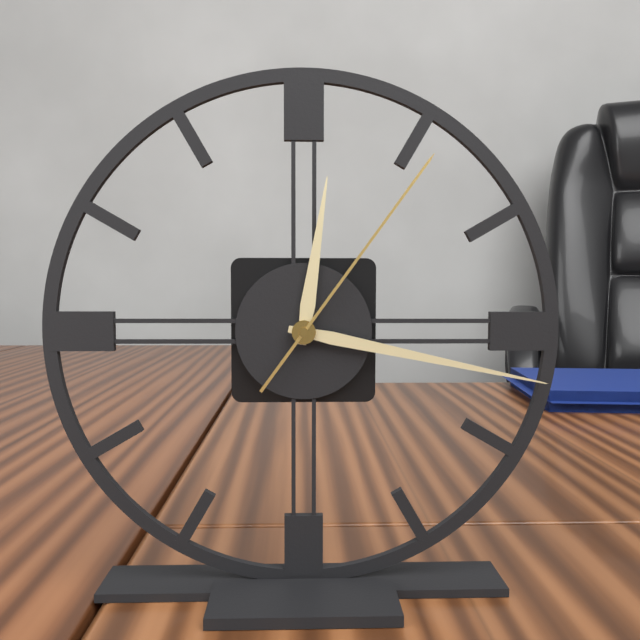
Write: 12:17:06
